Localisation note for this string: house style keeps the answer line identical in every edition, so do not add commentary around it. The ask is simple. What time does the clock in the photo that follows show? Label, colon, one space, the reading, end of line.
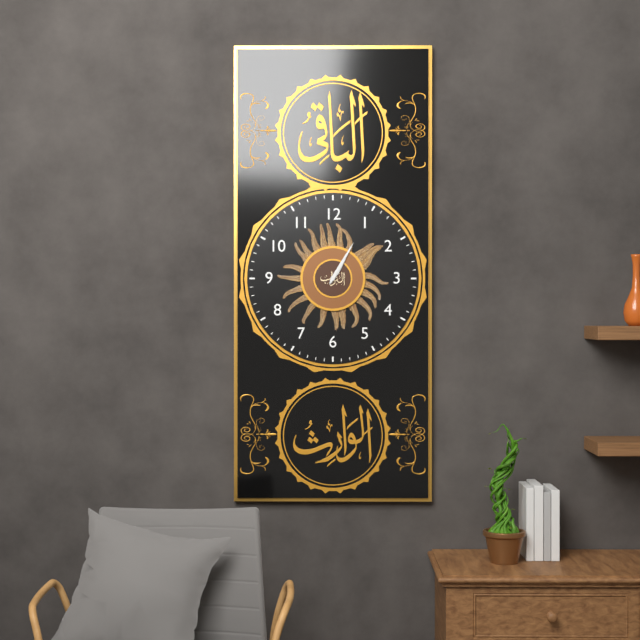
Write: 1:05
